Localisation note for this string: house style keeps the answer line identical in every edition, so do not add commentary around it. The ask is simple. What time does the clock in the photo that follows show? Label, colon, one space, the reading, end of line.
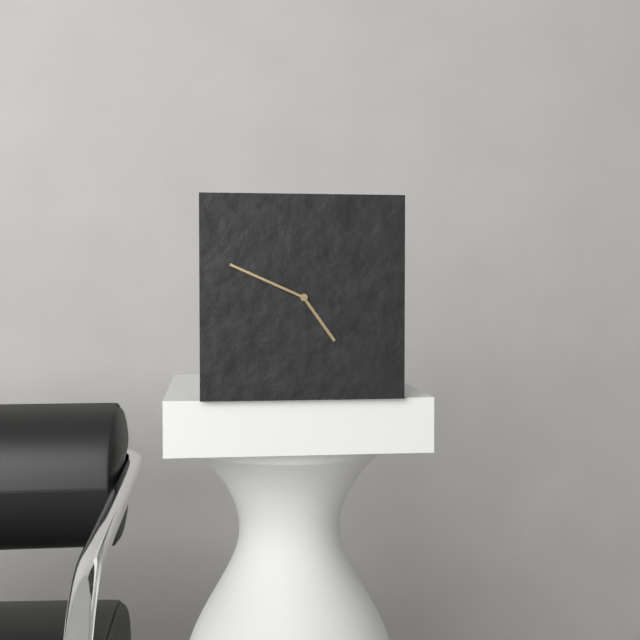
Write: 4:49
